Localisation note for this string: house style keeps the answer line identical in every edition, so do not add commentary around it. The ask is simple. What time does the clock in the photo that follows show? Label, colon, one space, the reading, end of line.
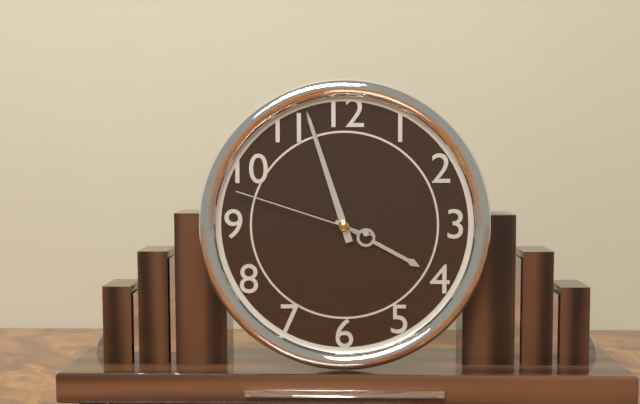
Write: 3:57:48
